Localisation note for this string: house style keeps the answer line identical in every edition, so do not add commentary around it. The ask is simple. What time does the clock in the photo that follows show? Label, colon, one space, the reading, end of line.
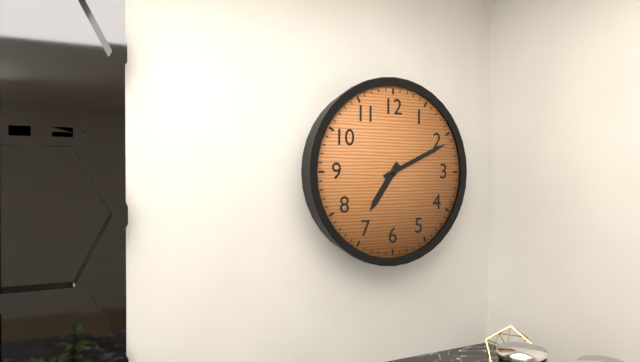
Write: 7:11
